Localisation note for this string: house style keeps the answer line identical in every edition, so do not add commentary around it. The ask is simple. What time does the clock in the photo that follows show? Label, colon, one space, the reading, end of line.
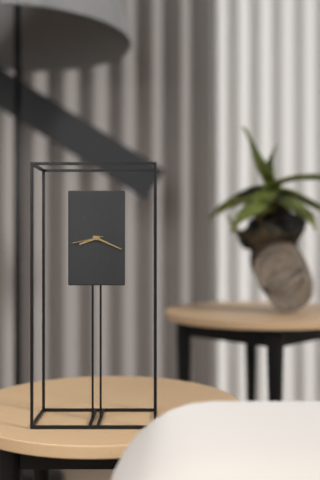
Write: 8:19
